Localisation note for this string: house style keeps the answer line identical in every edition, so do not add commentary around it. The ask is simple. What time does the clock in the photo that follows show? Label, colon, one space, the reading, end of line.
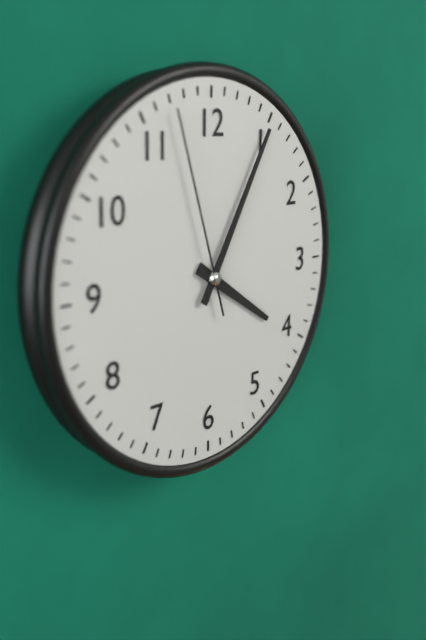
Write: 4:05:57
